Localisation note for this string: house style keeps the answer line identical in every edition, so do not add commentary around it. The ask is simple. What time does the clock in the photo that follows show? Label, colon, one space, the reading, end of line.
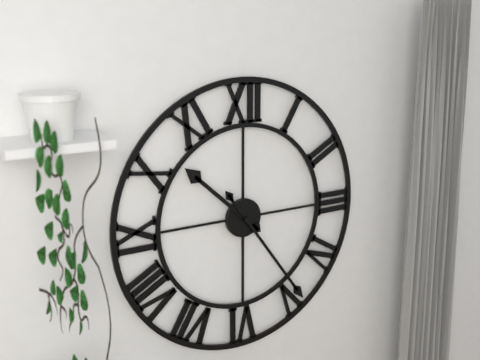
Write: 10:24
